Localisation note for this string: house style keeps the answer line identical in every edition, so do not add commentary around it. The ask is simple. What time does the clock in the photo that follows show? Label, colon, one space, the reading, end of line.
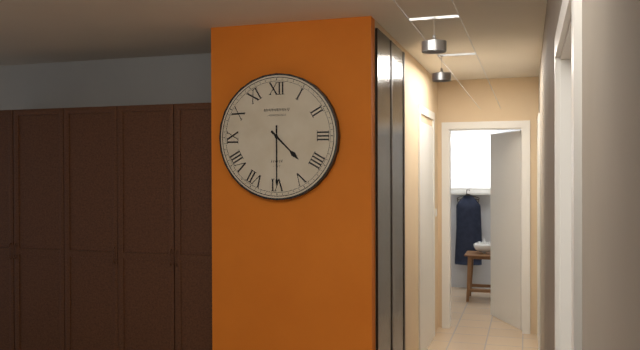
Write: 4:30
